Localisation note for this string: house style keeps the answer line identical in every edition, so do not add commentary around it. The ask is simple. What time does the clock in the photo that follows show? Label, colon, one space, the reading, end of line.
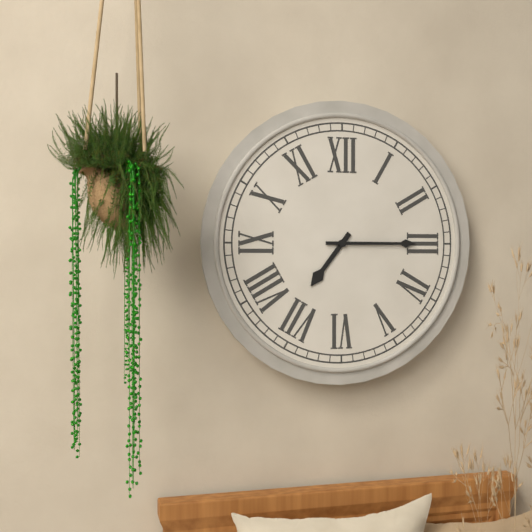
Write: 7:15
